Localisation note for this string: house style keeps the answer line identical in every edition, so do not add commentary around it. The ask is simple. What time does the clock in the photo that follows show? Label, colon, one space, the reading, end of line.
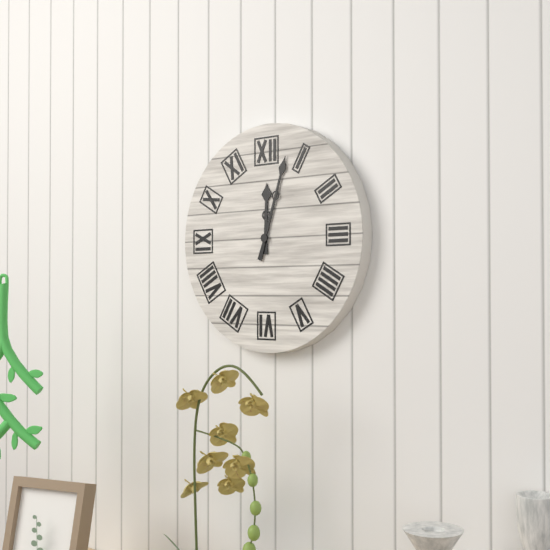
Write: 12:03
